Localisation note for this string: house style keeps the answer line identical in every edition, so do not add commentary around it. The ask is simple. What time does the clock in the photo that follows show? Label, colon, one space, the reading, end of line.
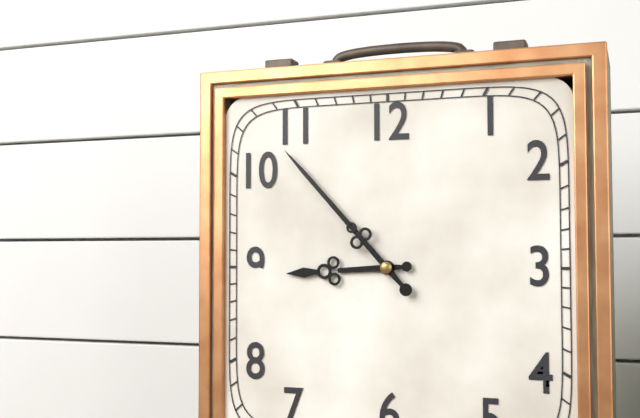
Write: 8:53
